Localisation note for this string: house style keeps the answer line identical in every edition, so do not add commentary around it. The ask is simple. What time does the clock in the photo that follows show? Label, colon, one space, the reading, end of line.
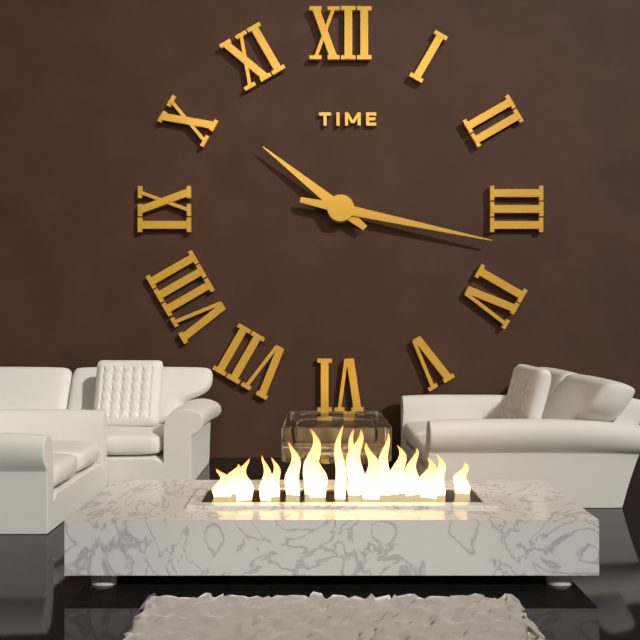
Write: 10:17
